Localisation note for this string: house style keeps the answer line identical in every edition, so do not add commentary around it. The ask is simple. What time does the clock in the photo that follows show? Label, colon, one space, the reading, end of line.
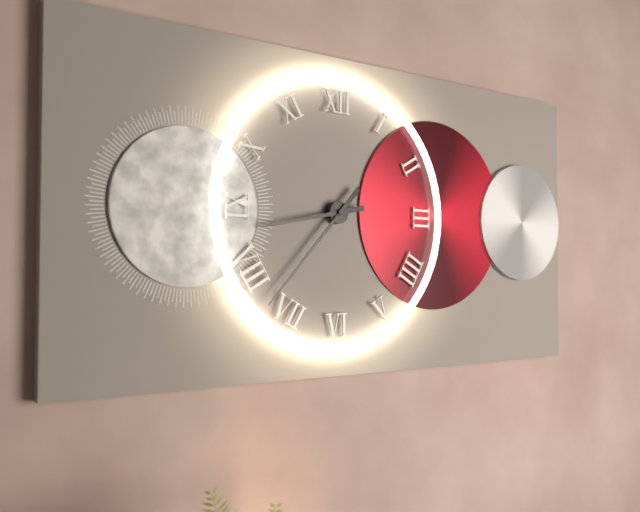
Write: 8:37
